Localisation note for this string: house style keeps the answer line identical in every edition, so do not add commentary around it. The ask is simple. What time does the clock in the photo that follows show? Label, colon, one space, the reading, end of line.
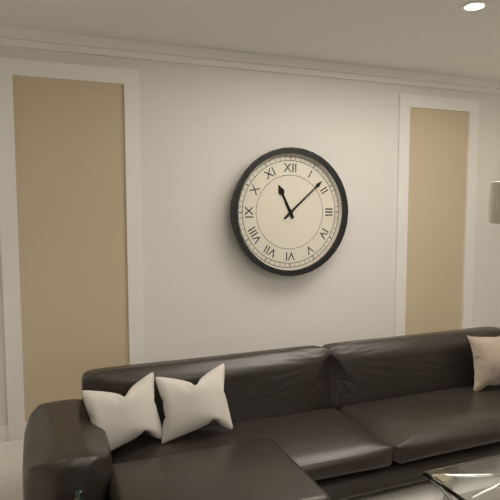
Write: 11:08
